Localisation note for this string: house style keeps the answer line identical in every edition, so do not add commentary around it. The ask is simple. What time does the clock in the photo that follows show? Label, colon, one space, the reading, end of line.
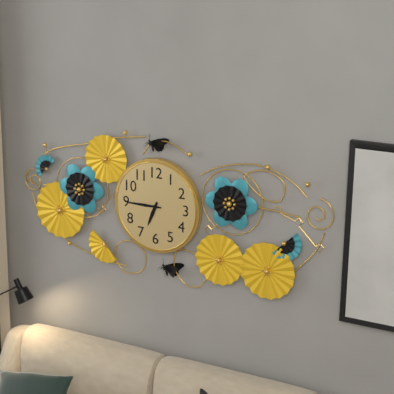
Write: 6:45
